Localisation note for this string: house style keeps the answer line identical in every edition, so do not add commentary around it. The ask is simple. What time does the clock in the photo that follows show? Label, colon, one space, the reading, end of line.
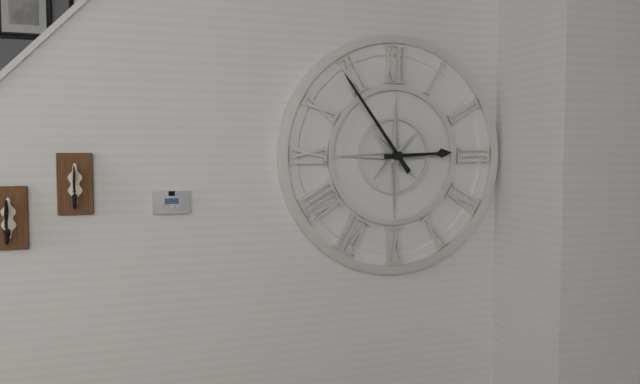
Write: 2:54
